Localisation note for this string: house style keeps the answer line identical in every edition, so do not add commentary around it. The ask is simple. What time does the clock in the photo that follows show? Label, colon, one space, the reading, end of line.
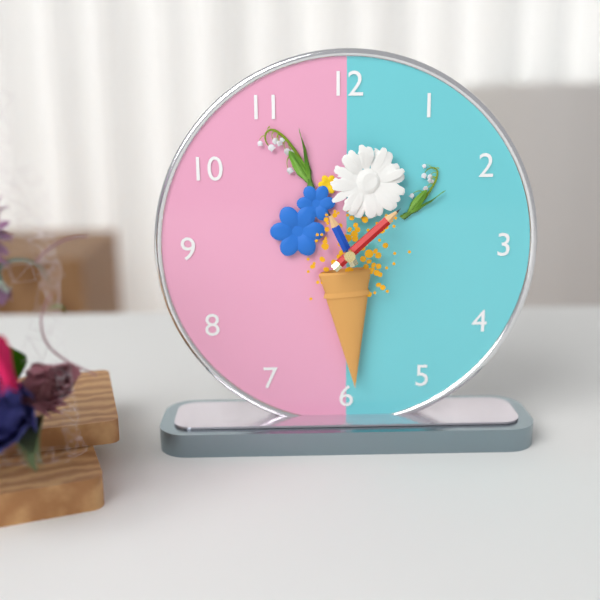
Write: 11:08
